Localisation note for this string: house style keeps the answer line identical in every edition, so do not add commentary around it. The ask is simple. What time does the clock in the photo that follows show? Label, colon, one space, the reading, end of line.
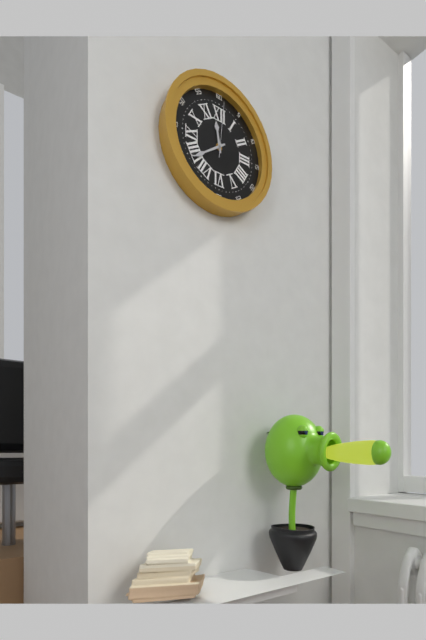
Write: 11:39:01
